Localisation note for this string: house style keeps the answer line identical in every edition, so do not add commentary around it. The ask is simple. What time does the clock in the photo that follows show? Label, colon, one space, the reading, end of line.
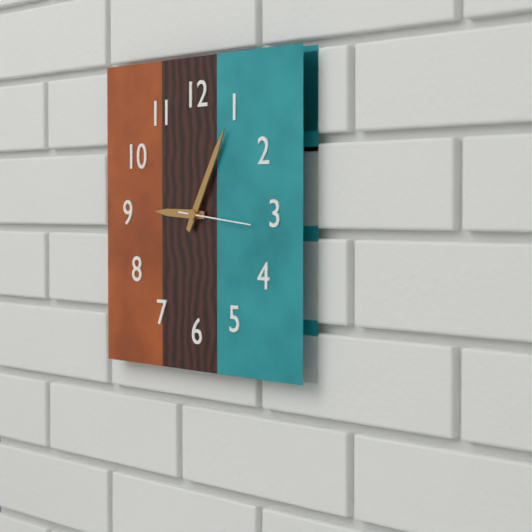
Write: 9:05:16
